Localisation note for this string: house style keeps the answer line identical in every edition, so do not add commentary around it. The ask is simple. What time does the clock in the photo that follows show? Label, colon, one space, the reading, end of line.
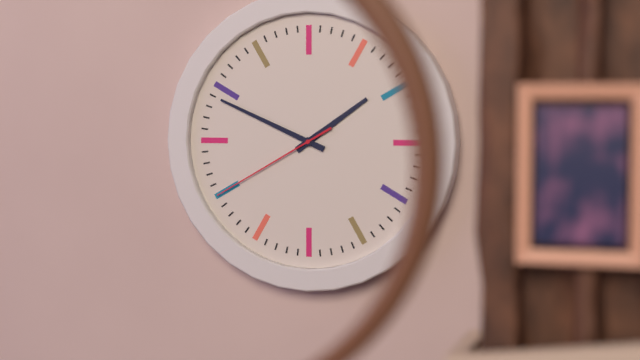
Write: 1:49:40
